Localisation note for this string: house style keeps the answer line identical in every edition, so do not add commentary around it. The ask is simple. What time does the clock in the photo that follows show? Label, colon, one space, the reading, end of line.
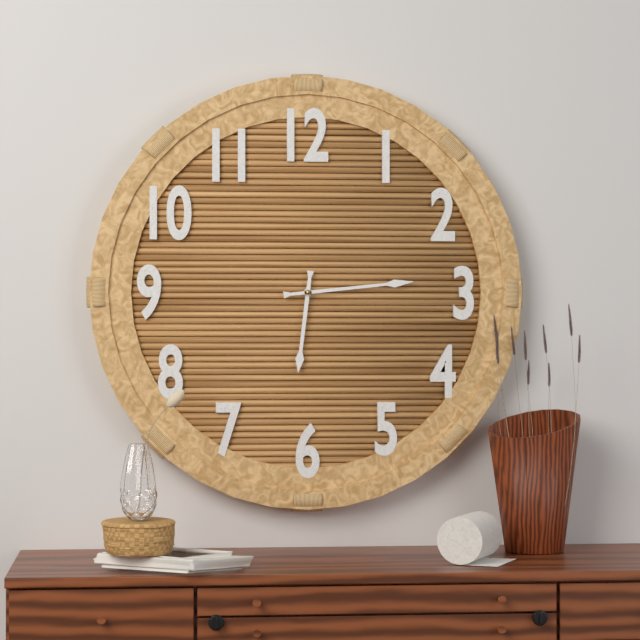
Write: 6:14
